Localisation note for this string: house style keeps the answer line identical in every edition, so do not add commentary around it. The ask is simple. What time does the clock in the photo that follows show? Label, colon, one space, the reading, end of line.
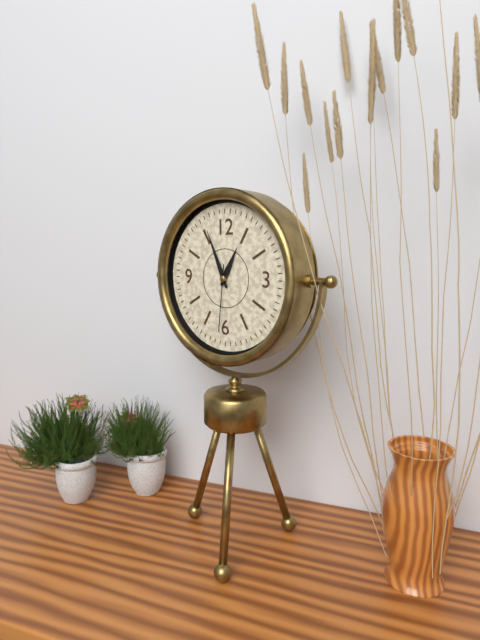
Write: 12:56:31
